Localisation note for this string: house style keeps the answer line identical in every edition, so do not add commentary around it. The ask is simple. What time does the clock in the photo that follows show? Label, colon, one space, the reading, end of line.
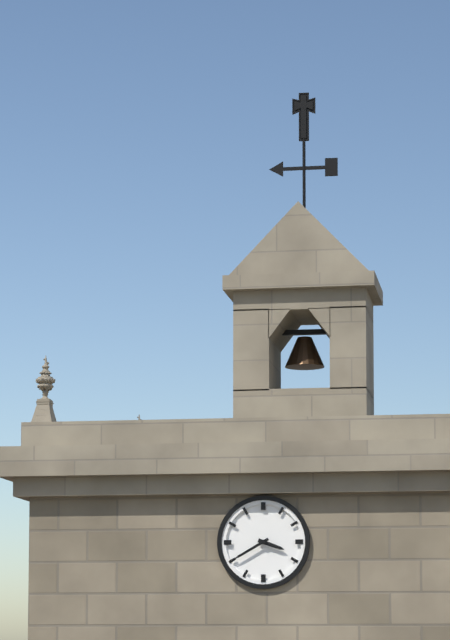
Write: 3:40
